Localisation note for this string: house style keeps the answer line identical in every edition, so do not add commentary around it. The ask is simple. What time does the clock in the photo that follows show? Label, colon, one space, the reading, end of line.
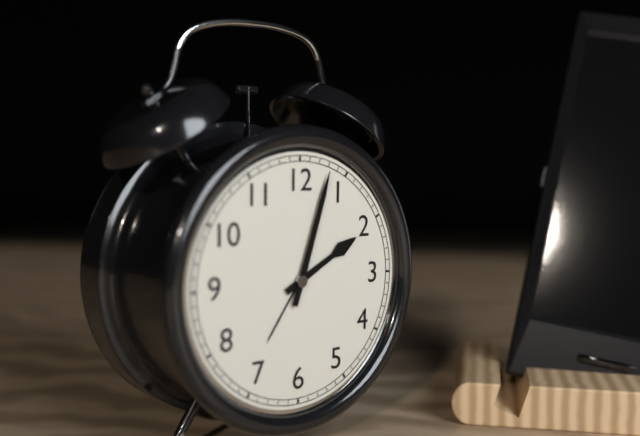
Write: 2:03
